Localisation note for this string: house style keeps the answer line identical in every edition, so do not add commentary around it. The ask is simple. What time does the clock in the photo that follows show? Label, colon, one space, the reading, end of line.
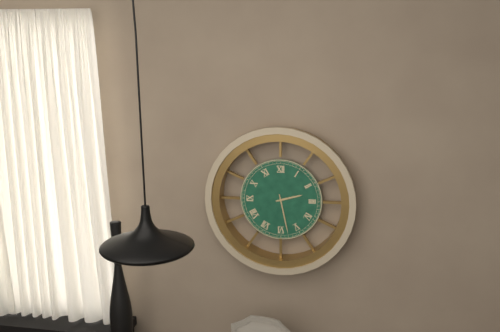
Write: 2:28
